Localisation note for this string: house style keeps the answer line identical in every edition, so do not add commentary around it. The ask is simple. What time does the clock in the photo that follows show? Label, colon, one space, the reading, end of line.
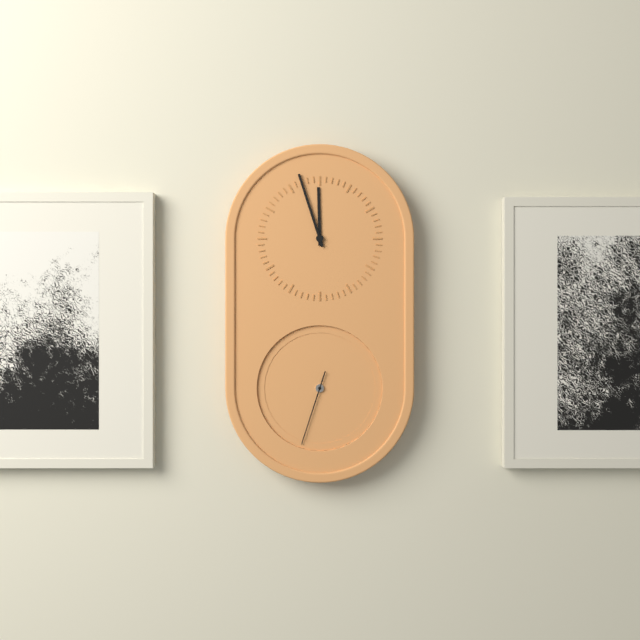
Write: 11:57:33
